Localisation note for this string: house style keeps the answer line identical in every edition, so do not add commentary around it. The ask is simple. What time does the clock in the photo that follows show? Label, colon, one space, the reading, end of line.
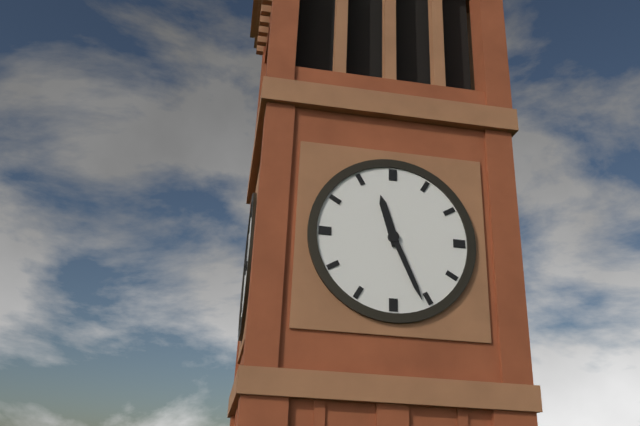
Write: 11:26
